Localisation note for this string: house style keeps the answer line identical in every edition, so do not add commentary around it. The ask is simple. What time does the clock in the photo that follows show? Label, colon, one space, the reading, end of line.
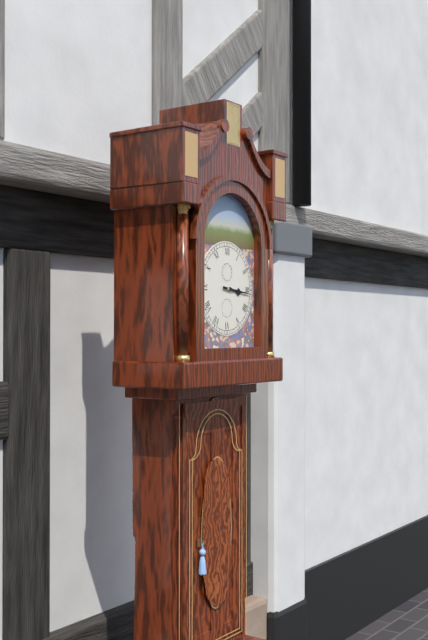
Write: 3:16
